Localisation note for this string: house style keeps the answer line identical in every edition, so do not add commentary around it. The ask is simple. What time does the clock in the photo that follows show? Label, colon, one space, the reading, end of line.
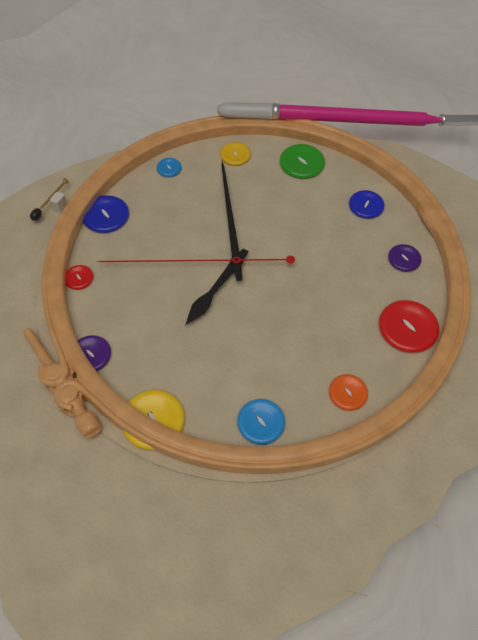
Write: 11:20:06
